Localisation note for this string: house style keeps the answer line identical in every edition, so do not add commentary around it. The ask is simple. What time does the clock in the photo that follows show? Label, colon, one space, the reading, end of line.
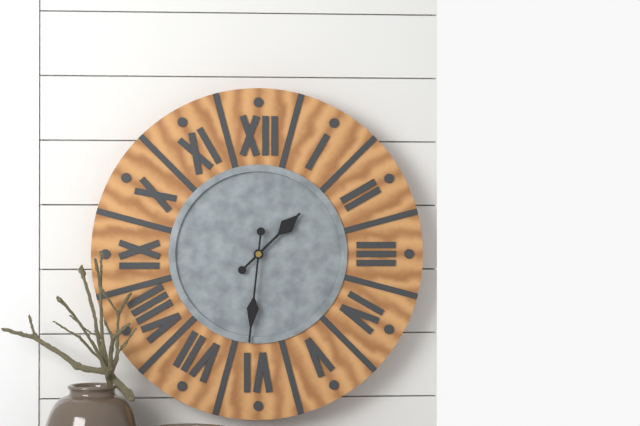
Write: 1:31
